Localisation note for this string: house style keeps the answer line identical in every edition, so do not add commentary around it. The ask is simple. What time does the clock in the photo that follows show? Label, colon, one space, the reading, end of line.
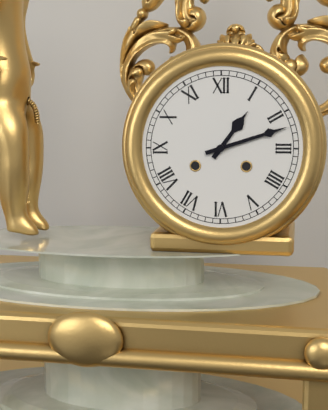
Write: 1:12
